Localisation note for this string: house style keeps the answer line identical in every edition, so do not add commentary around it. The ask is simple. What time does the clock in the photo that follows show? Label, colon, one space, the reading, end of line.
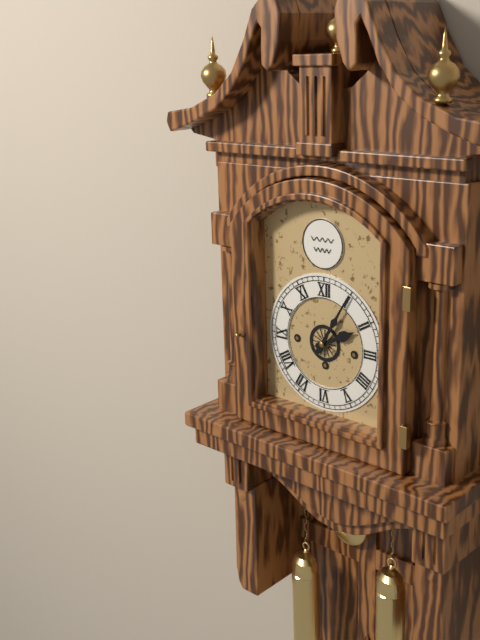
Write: 2:05
